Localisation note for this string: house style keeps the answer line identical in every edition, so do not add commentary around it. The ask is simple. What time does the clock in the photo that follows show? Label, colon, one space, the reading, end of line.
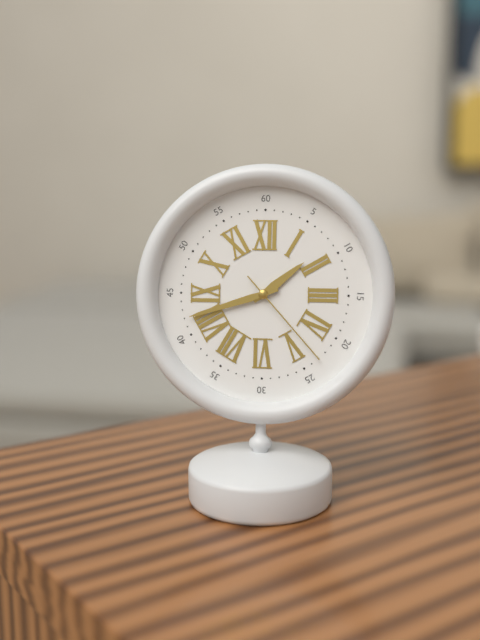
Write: 1:42:23
